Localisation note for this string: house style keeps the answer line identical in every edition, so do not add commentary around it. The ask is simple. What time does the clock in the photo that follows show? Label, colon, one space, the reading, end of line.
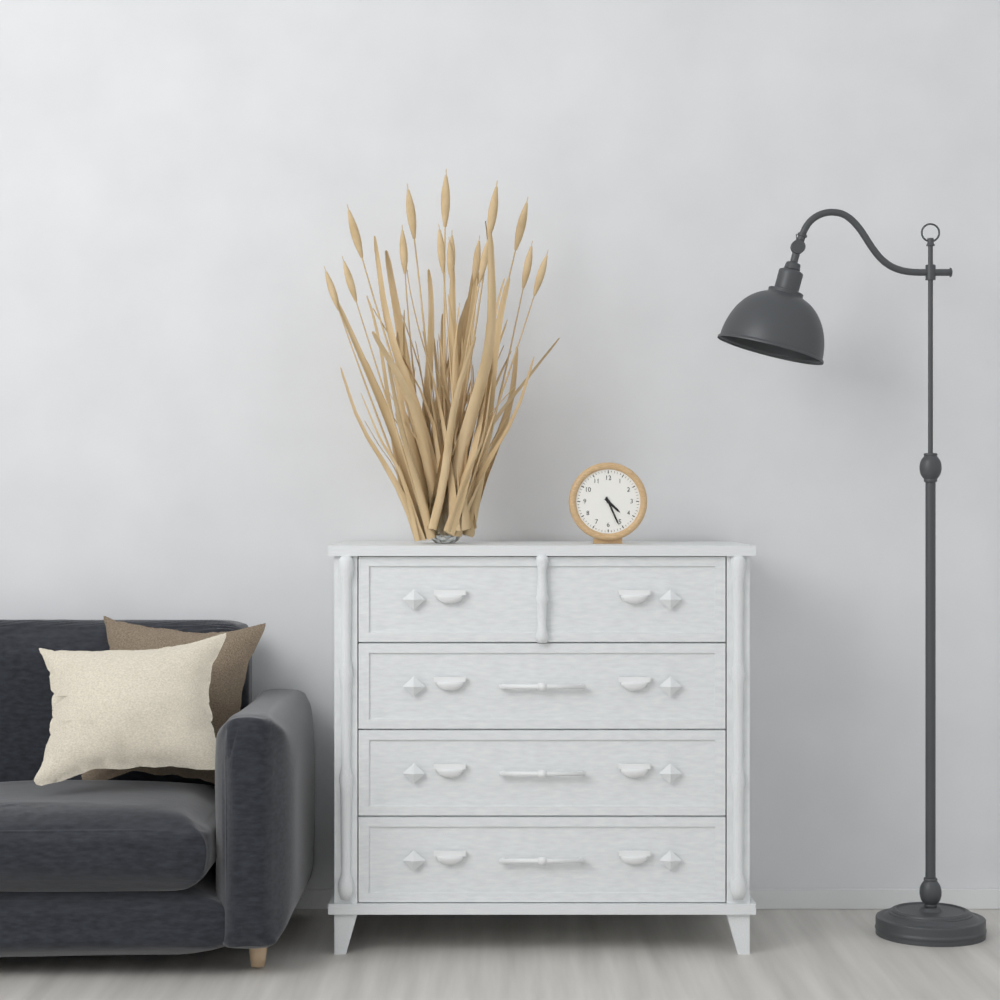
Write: 4:26
